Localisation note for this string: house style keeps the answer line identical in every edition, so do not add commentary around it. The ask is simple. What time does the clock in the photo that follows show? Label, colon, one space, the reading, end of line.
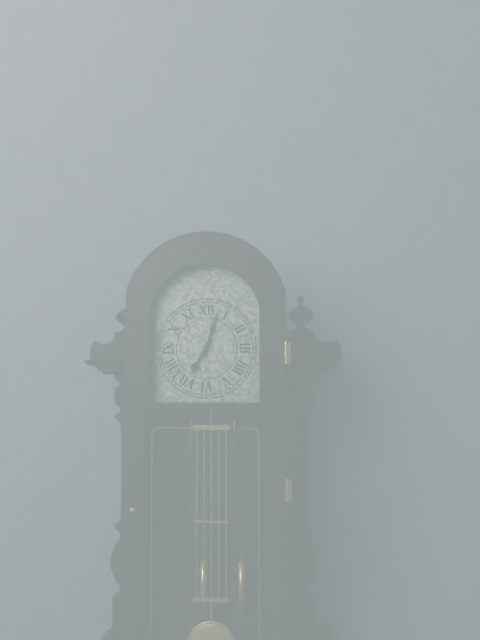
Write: 7:03
